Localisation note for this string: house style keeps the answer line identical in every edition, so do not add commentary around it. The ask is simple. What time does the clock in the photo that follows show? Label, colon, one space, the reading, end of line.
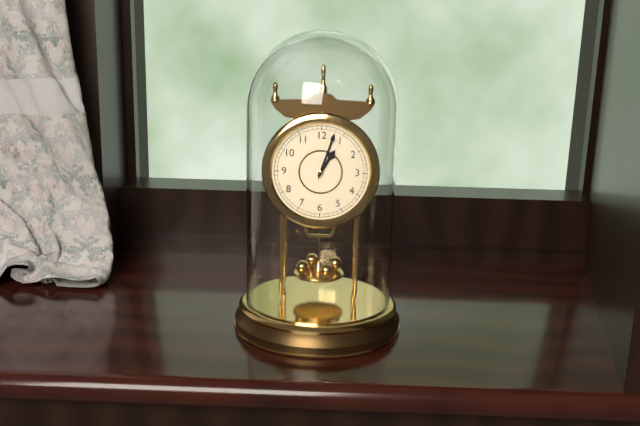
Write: 1:03
